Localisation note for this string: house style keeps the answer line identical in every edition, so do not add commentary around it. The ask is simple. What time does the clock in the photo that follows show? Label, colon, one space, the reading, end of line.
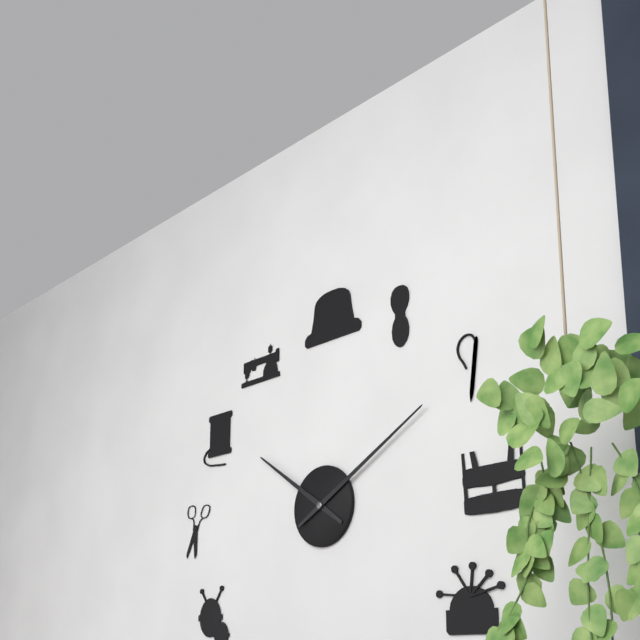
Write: 10:10
